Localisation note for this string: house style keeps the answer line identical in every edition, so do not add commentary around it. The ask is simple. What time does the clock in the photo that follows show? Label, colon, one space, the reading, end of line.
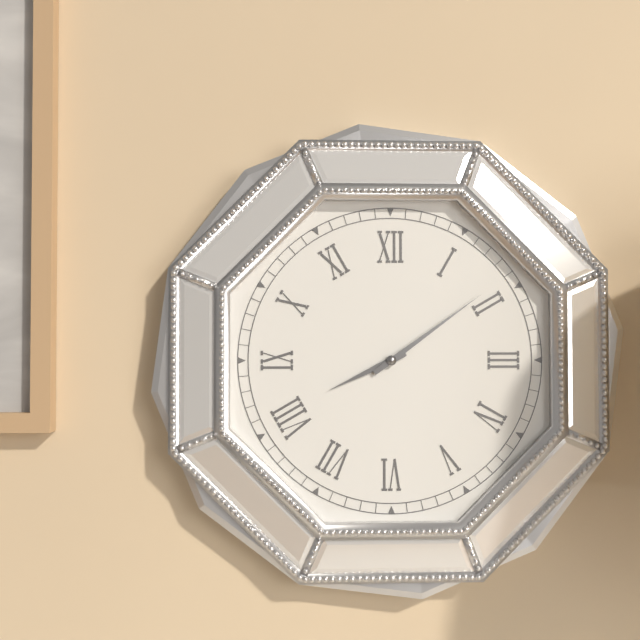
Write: 8:09
